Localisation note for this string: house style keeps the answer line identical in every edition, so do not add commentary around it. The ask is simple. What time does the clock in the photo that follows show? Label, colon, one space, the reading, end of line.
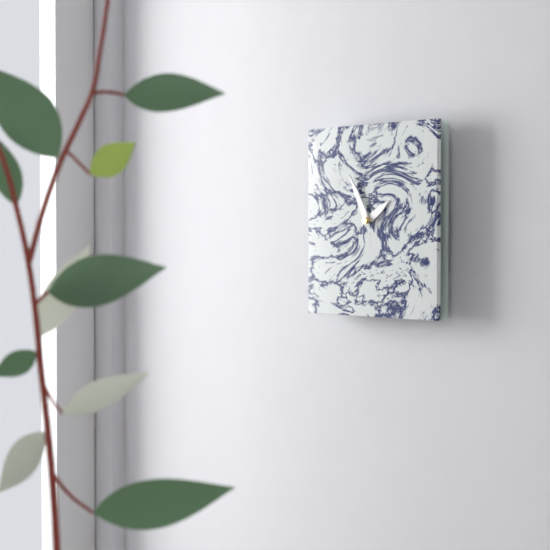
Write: 1:55
